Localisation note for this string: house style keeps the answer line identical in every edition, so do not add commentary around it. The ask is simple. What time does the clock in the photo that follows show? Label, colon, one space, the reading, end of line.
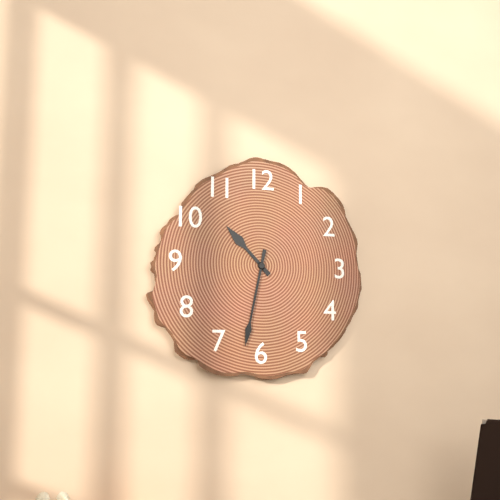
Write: 10:32
